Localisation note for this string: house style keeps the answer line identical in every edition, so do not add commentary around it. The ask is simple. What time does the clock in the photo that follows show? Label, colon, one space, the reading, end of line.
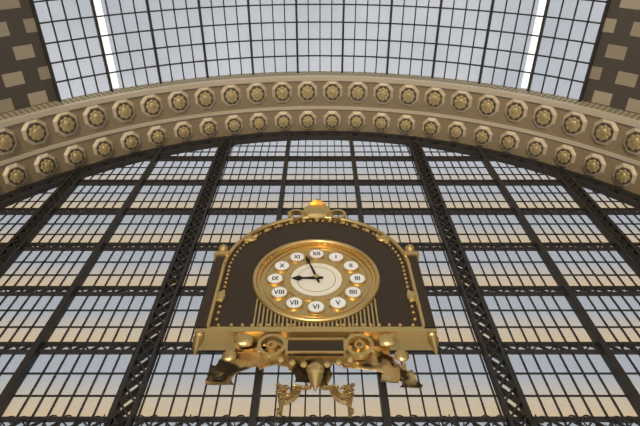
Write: 8:57
